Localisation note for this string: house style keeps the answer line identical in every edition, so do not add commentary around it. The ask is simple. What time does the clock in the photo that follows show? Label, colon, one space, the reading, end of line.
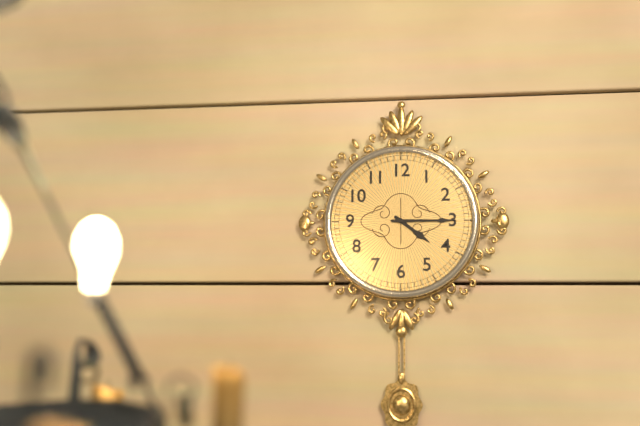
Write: 4:15
